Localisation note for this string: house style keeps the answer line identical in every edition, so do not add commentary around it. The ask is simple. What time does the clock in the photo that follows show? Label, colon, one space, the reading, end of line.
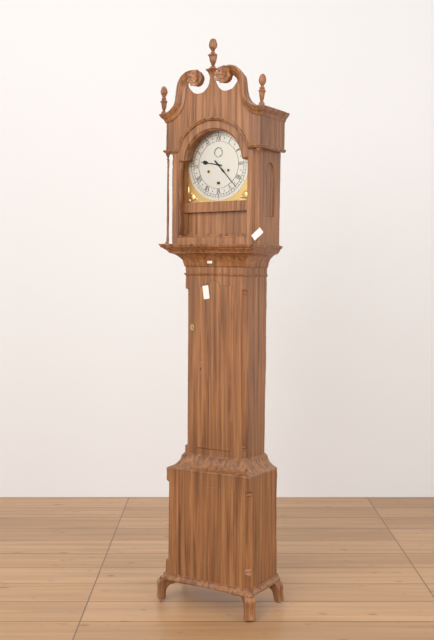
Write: 9:23
